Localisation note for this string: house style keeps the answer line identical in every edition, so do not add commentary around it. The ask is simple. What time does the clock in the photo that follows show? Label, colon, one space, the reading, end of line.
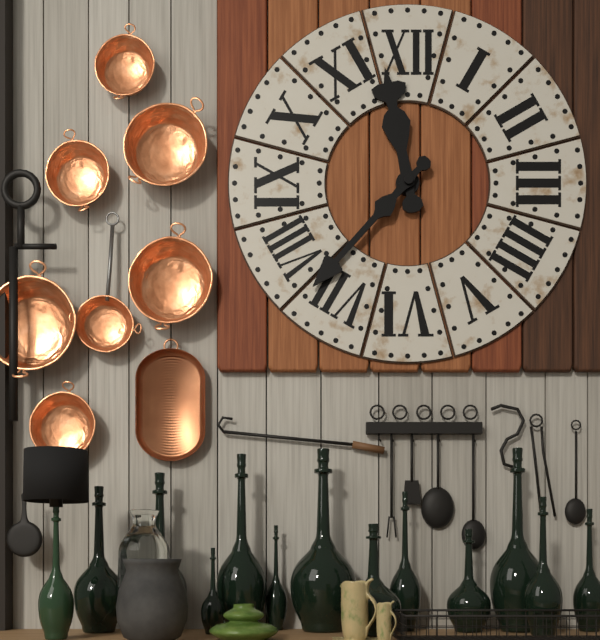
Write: 11:37
